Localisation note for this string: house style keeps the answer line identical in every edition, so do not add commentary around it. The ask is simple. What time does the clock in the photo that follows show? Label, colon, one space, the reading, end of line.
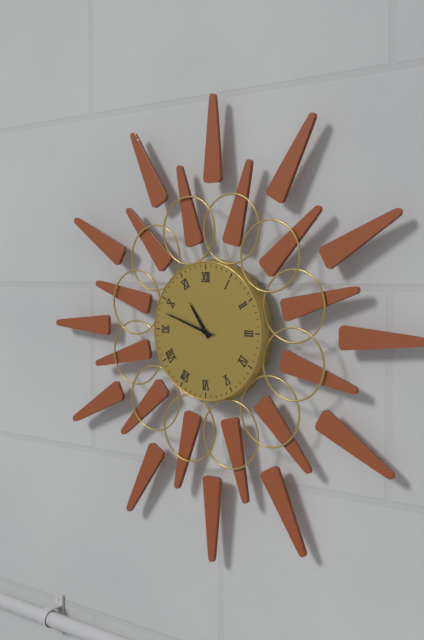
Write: 10:48
